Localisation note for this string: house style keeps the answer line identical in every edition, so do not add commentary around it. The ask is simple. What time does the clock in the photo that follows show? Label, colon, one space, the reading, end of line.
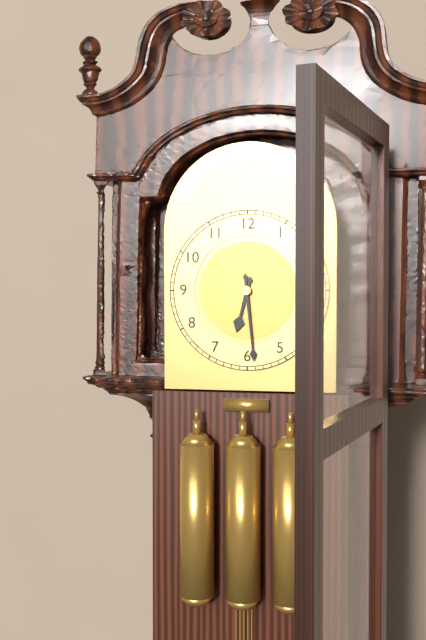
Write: 6:29
